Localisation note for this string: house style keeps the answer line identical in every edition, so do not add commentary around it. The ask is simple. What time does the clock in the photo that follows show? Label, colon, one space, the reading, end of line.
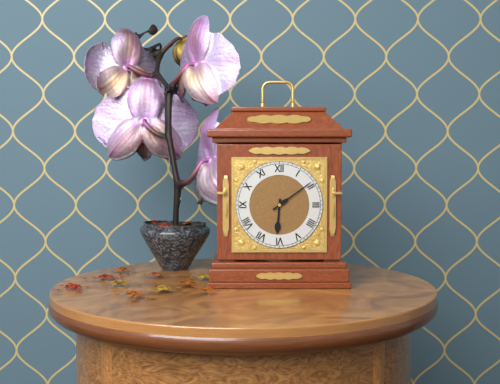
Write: 6:09
